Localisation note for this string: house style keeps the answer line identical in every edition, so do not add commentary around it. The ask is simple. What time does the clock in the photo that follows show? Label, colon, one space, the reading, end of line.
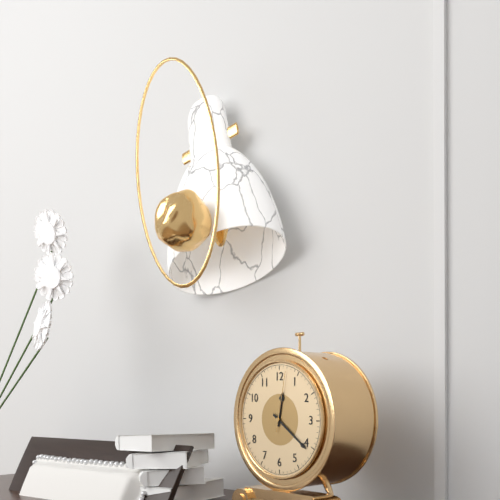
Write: 12:21:02
